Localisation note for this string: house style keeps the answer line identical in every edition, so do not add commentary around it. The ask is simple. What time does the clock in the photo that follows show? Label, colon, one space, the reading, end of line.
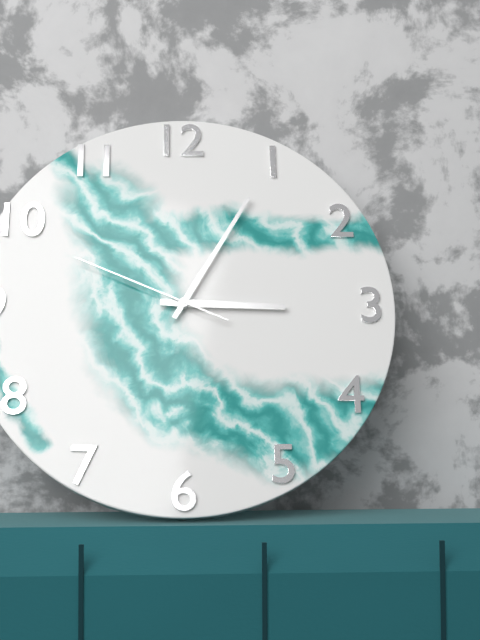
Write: 3:05:49
